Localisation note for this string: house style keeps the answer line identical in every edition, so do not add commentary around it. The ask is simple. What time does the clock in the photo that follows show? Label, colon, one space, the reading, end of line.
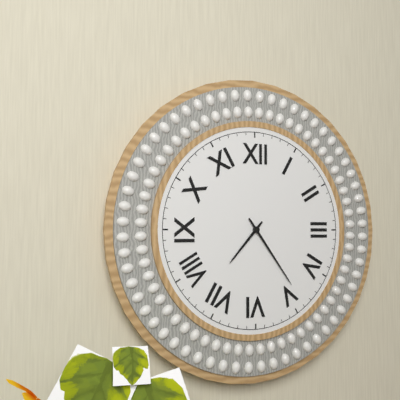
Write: 7:24
